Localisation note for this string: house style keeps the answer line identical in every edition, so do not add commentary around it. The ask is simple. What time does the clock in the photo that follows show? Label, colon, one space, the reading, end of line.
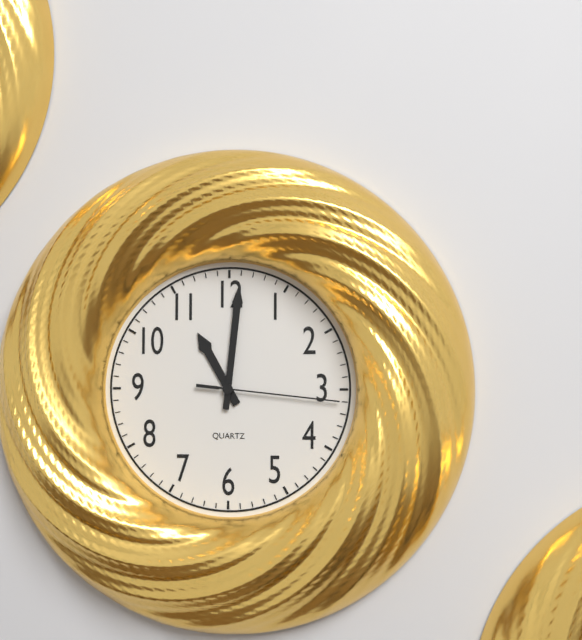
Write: 11:01:16
